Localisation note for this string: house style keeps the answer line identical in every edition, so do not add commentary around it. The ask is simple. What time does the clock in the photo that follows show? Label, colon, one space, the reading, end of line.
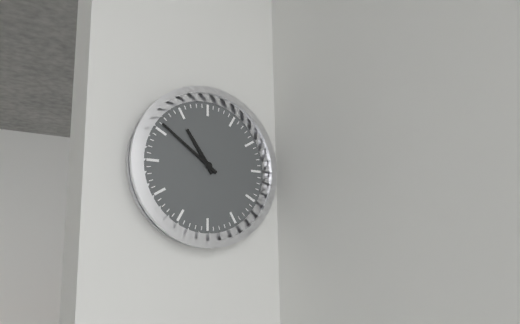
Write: 10:51
